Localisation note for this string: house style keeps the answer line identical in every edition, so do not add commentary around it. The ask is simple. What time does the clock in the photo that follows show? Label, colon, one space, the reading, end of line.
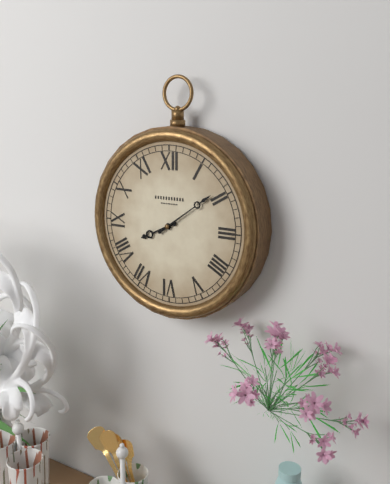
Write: 8:09
